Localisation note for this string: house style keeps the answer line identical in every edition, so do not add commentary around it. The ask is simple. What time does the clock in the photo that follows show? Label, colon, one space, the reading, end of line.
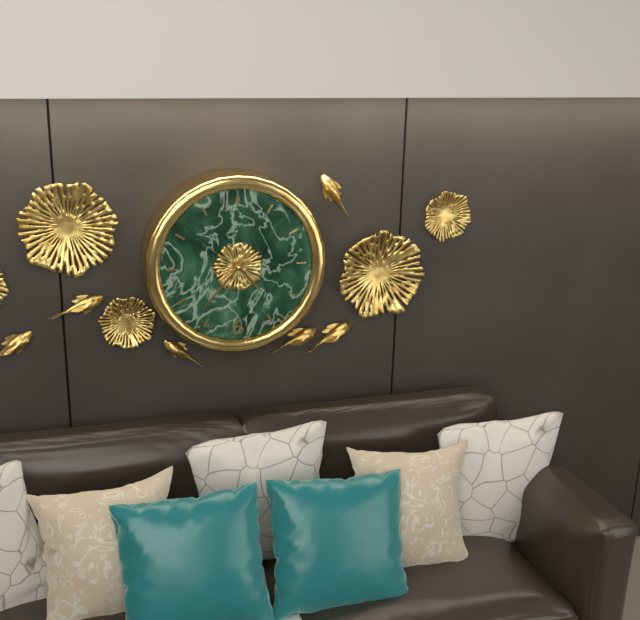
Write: 4:37:51
